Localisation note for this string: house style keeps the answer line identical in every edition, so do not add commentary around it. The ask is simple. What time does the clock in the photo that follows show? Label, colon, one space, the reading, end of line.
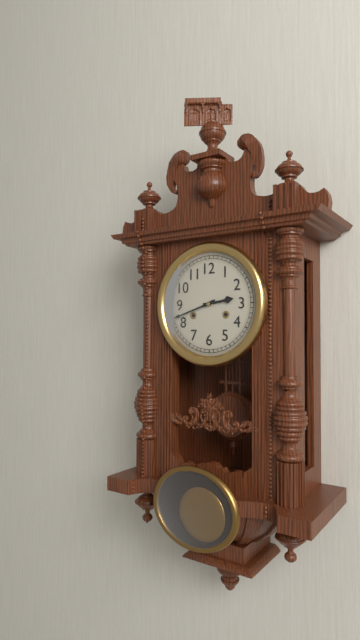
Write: 2:42
